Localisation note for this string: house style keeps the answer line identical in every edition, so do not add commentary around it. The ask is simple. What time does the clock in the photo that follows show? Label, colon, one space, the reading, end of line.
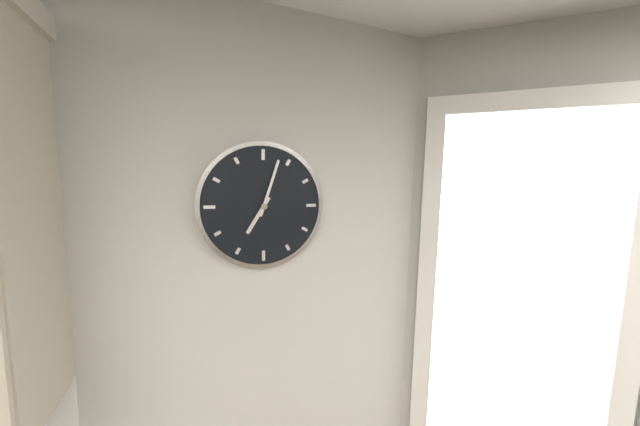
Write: 7:03
